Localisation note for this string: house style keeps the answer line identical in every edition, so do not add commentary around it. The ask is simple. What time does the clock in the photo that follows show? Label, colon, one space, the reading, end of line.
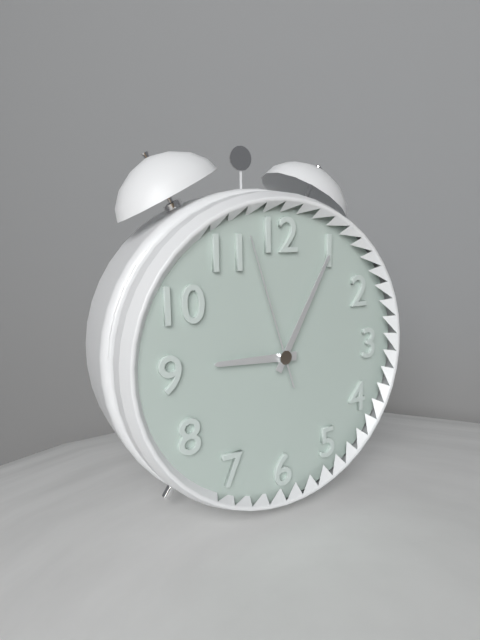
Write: 9:05:57
